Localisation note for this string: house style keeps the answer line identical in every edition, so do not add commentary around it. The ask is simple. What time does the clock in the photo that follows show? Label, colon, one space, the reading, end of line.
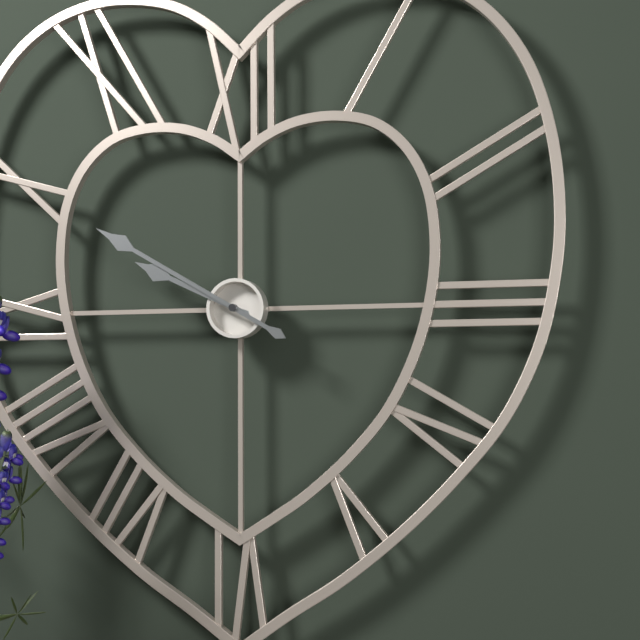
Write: 9:50
